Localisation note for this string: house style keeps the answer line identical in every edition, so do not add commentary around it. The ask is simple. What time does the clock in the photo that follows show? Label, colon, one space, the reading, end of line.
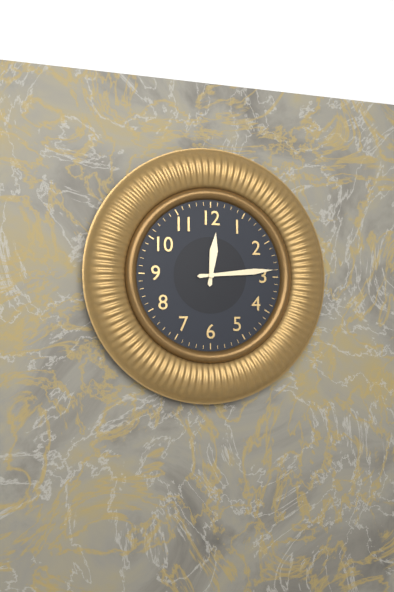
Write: 12:14
